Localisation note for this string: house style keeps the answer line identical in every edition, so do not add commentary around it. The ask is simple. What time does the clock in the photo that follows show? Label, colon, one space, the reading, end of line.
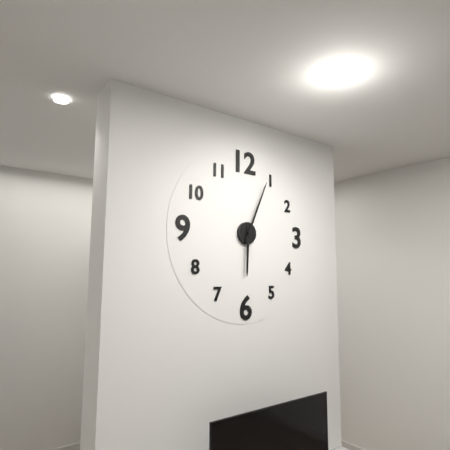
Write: 6:04
